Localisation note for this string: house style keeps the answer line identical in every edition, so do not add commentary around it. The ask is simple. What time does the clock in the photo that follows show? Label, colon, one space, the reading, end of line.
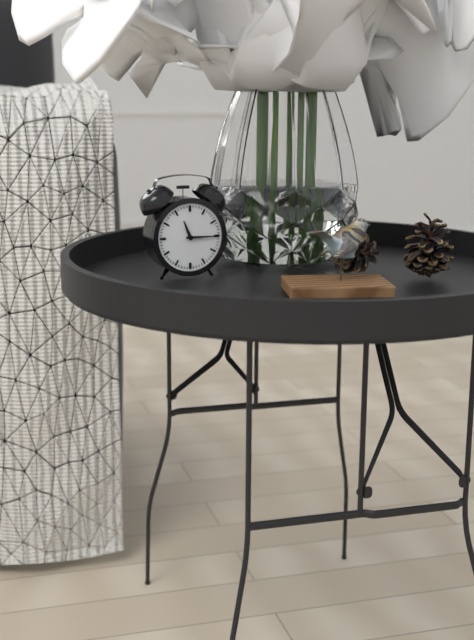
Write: 11:15
